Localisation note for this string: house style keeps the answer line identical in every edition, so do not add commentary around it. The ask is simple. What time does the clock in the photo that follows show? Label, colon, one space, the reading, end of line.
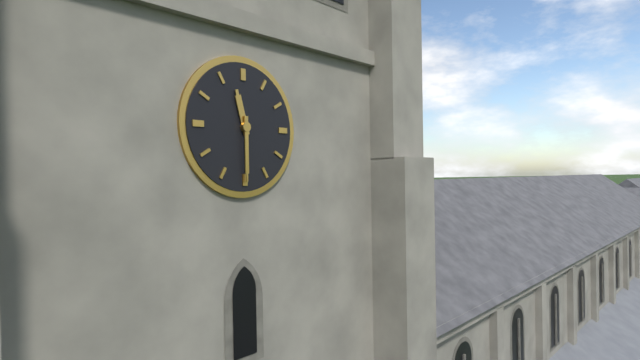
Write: 11:30
